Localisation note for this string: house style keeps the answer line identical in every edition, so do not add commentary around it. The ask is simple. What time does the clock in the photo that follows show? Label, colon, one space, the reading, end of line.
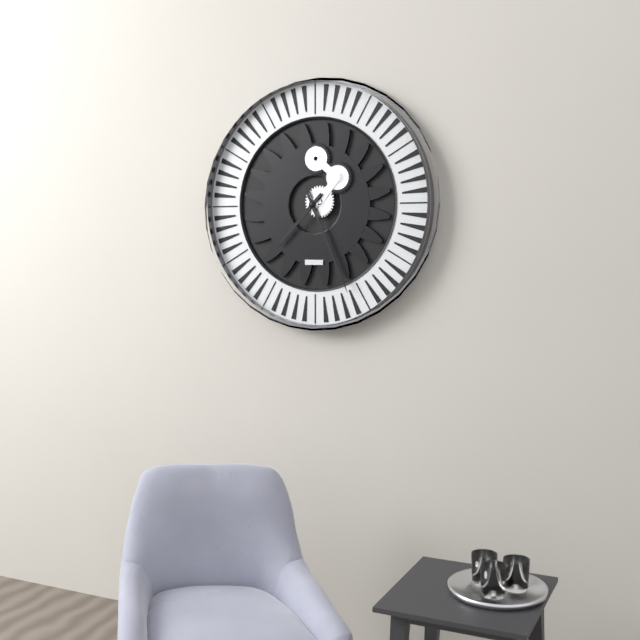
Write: 7:26
